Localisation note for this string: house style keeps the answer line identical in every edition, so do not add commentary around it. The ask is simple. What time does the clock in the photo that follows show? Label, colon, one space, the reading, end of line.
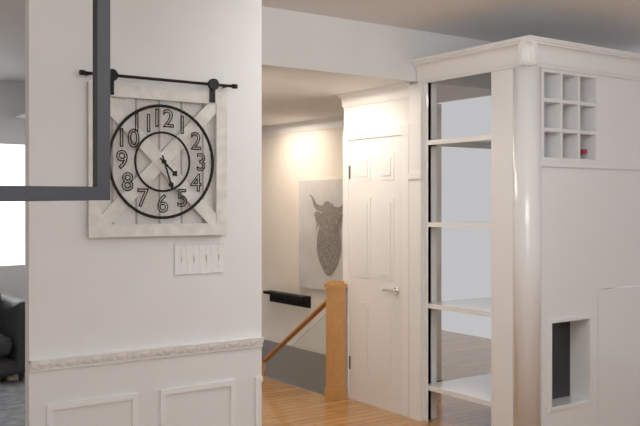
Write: 4:27
